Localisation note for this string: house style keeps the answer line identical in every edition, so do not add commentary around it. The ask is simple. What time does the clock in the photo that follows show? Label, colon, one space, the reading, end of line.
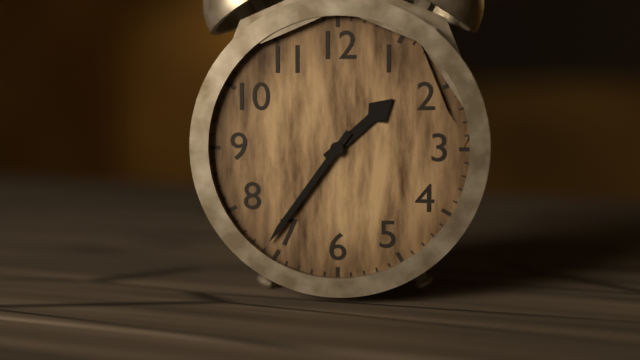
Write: 1:36
